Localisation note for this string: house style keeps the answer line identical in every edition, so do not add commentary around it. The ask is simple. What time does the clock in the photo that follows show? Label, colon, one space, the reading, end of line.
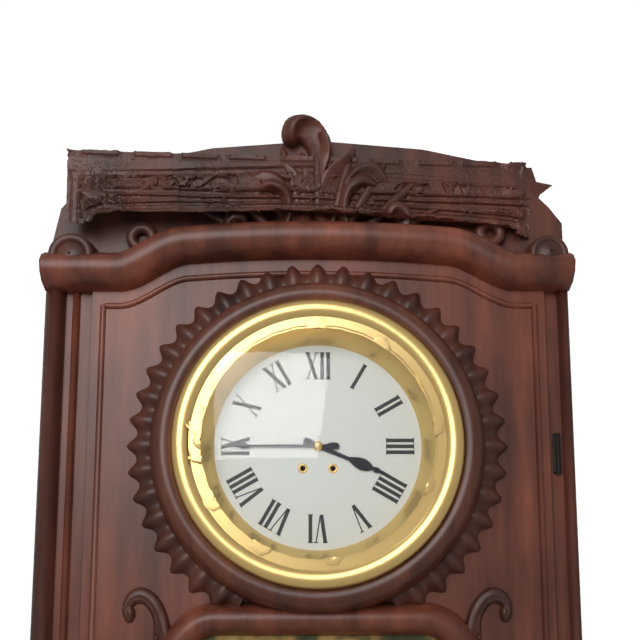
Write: 3:45
